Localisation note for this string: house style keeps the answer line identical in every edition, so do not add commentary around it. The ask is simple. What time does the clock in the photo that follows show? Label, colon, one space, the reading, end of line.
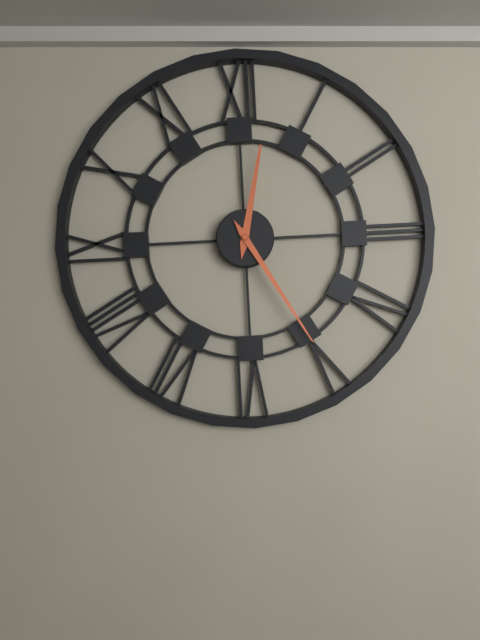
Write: 12:25
